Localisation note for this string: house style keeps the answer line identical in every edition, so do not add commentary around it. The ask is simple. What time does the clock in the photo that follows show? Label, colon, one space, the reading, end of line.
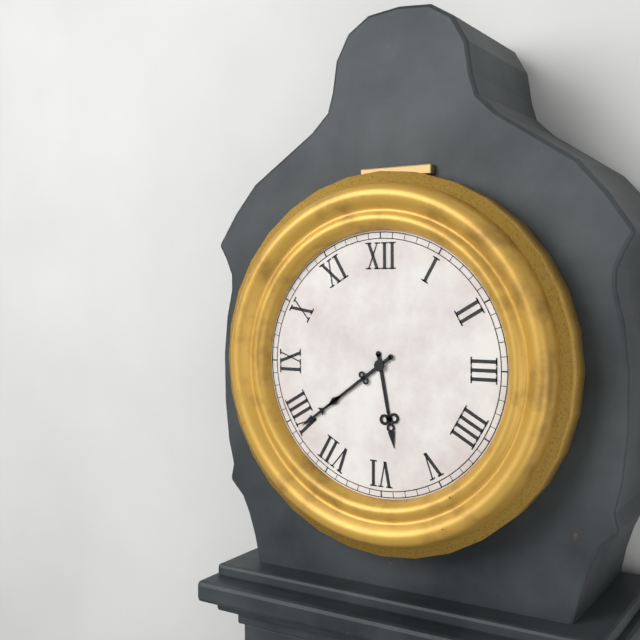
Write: 5:39
